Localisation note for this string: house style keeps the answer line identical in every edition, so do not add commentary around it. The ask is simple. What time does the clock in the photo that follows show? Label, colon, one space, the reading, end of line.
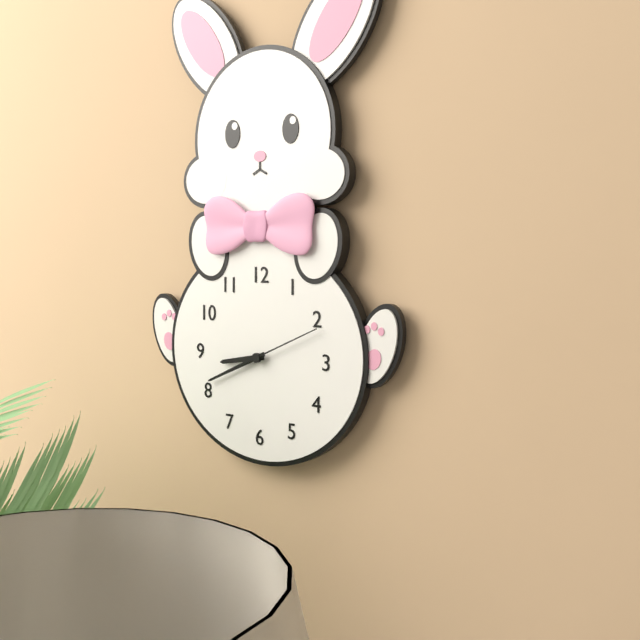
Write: 8:41:11
